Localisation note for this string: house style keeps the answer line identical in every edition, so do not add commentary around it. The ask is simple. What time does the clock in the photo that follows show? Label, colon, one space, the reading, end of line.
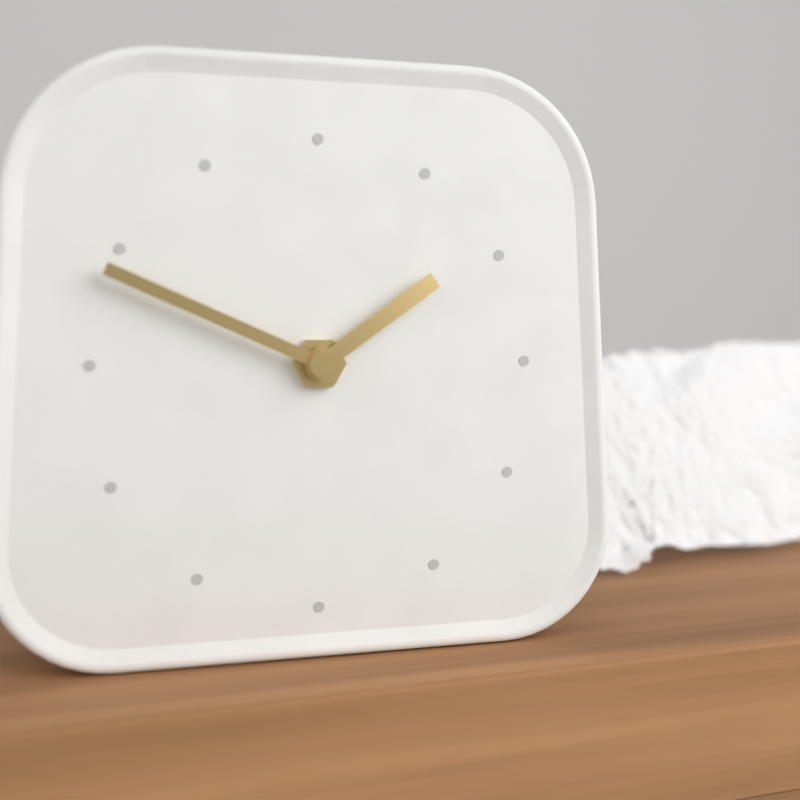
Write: 1:49
